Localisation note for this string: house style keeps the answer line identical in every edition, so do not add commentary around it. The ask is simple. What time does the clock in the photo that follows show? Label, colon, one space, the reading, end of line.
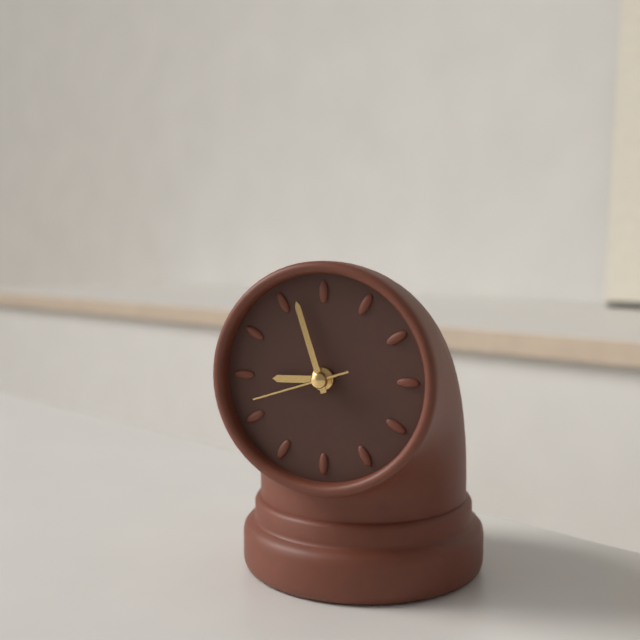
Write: 8:57:42
